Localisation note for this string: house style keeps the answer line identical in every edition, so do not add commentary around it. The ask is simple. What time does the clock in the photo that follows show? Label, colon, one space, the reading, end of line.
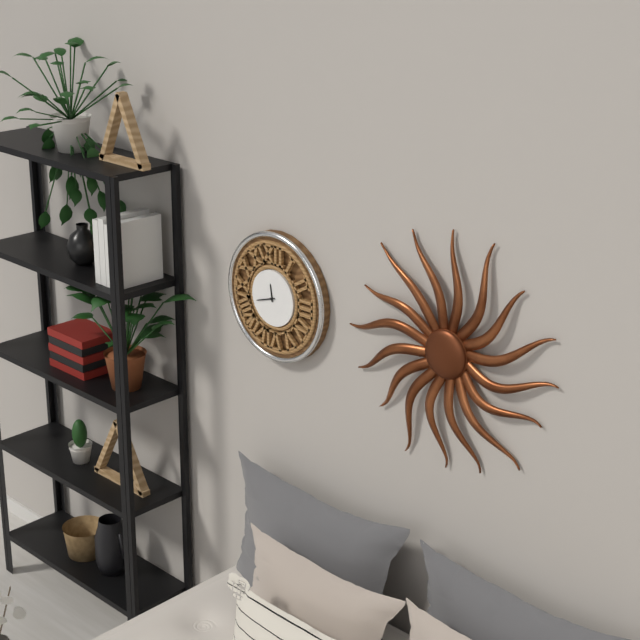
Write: 11:42
